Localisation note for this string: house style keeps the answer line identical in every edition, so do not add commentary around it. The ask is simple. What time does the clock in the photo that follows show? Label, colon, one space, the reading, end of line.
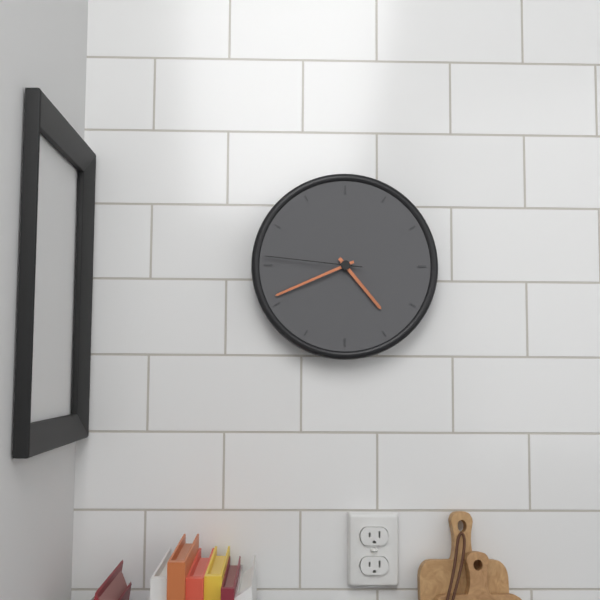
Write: 4:41:46
